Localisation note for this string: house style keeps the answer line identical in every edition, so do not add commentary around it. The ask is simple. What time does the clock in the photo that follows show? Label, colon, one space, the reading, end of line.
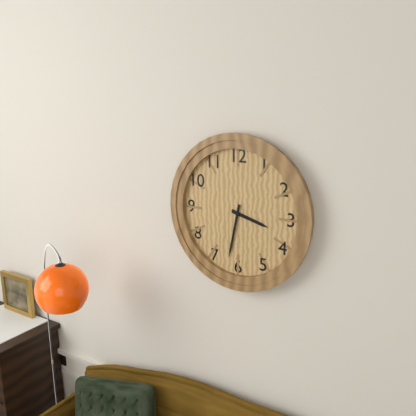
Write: 3:32
